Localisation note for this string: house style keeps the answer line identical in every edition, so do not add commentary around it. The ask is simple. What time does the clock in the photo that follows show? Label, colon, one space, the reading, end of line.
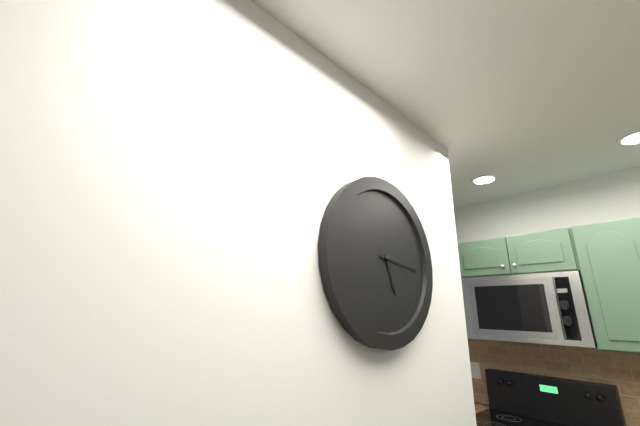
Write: 5:16
